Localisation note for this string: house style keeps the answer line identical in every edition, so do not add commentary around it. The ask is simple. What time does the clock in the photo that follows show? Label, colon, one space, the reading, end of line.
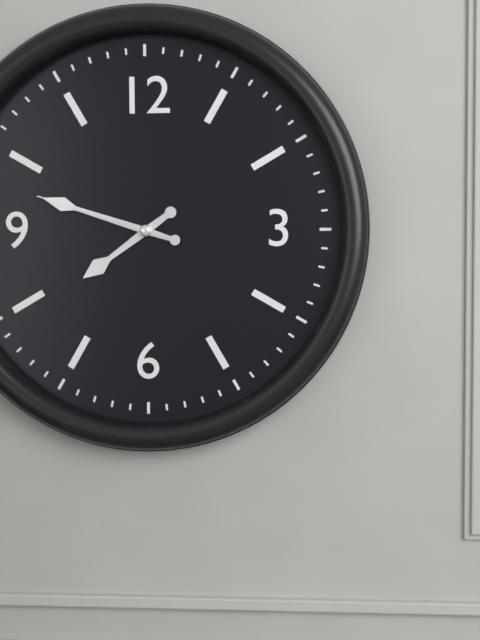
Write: 7:48:48
